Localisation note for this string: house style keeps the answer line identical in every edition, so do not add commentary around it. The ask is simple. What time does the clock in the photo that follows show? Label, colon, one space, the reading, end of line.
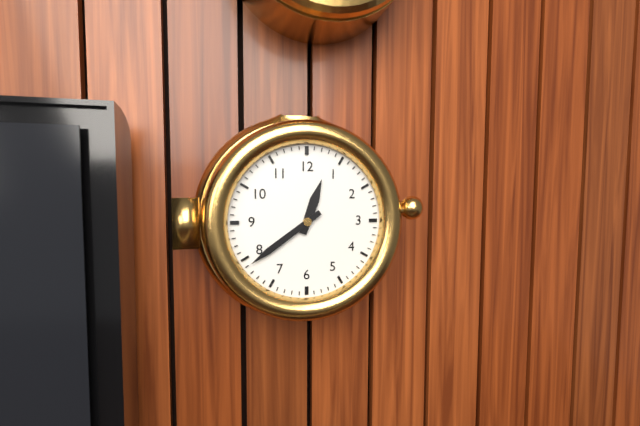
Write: 12:39
